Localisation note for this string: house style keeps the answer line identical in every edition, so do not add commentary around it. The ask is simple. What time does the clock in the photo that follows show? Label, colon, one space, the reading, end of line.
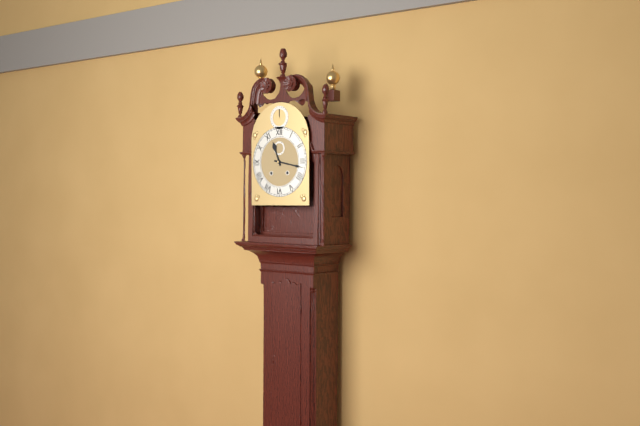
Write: 11:17
